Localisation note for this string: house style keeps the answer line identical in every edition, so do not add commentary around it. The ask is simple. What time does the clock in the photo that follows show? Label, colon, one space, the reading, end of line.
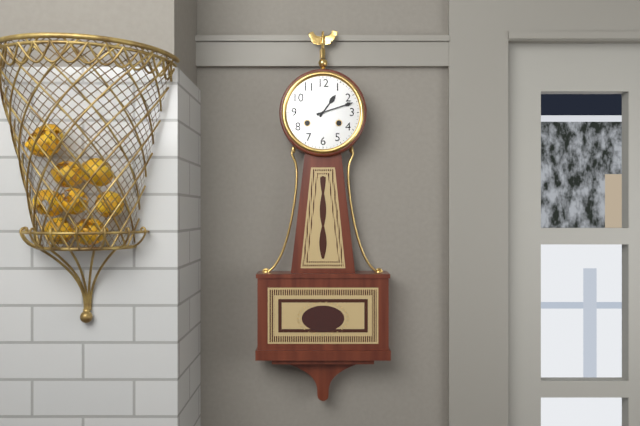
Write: 1:12
